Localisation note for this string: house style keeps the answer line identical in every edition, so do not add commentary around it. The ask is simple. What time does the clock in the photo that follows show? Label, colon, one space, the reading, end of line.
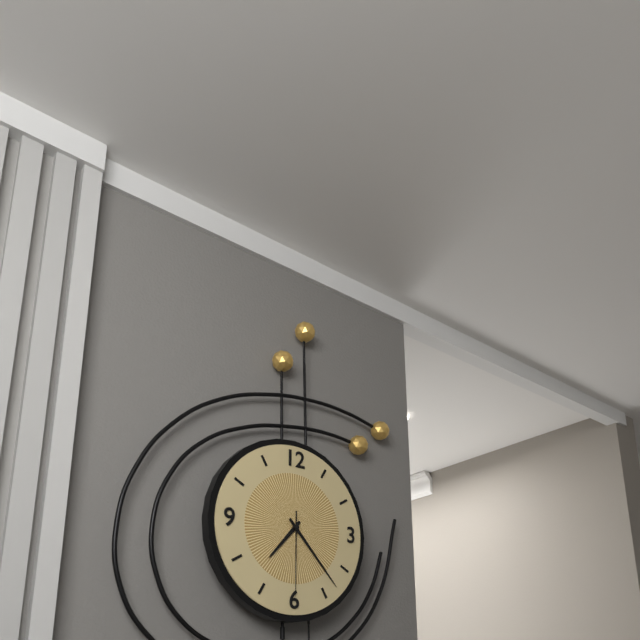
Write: 7:23:30
